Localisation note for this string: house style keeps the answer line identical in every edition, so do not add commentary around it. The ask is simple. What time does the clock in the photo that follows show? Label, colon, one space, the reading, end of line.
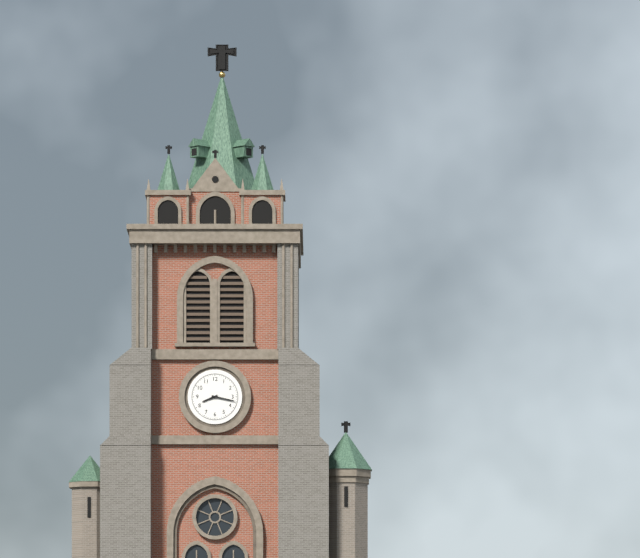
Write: 8:17
